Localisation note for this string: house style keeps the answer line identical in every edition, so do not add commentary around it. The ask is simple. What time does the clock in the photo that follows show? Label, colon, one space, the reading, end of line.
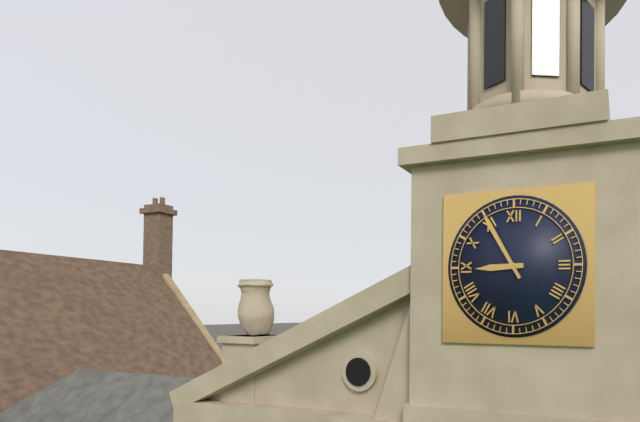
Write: 8:55
